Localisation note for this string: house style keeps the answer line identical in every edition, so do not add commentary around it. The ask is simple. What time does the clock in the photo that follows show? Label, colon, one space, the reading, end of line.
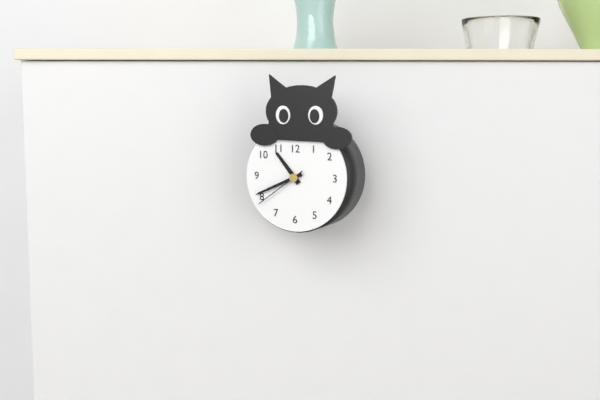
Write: 10:41:39
